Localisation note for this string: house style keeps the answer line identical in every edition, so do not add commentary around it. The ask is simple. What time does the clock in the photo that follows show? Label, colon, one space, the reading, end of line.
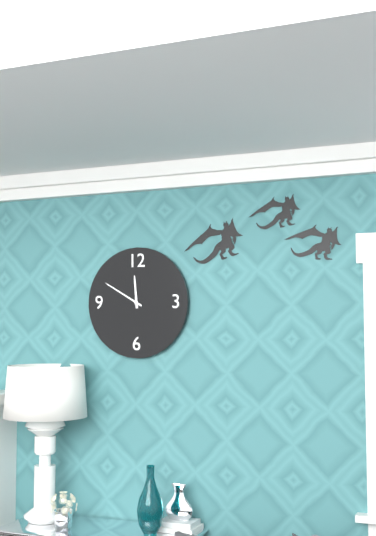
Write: 11:50
